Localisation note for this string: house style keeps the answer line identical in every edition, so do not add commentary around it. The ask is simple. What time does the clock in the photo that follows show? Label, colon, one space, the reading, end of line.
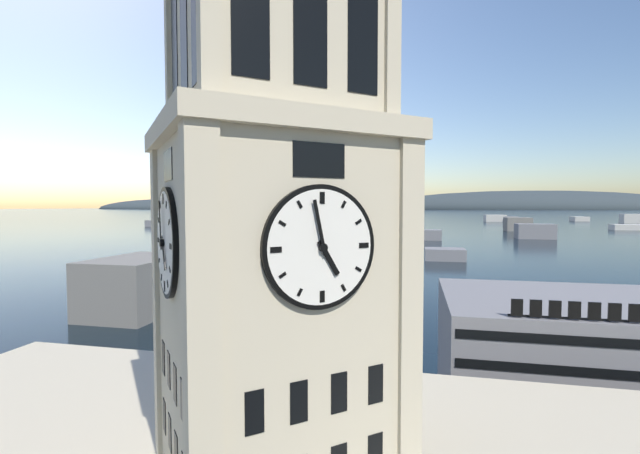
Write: 4:58
